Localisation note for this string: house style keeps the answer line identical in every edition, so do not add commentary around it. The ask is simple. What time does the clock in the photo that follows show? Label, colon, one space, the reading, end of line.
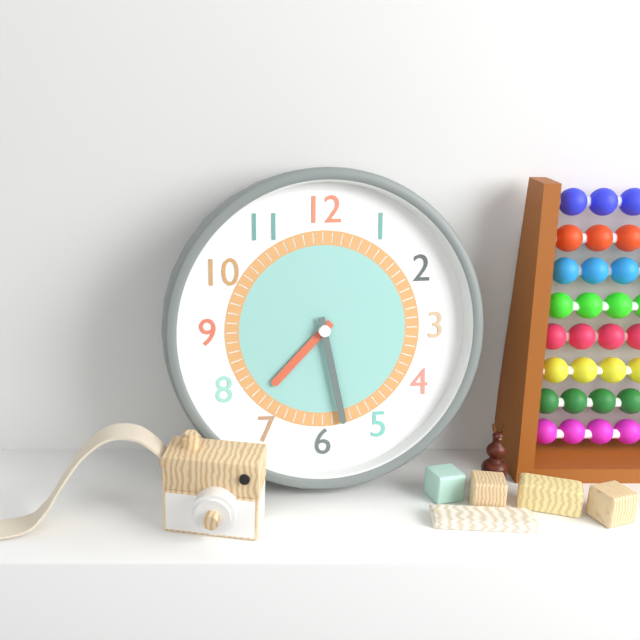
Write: 7:28
